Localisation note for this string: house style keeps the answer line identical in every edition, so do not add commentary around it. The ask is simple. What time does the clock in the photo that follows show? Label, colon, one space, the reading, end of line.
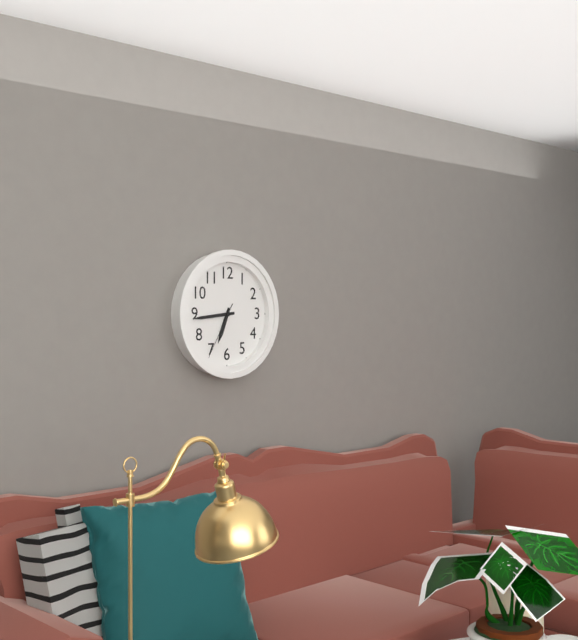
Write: 6:44:35
